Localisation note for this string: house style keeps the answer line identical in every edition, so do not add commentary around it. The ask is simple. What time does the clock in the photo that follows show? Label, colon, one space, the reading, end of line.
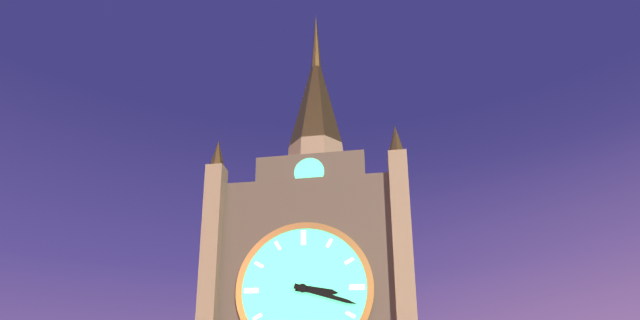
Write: 3:18
